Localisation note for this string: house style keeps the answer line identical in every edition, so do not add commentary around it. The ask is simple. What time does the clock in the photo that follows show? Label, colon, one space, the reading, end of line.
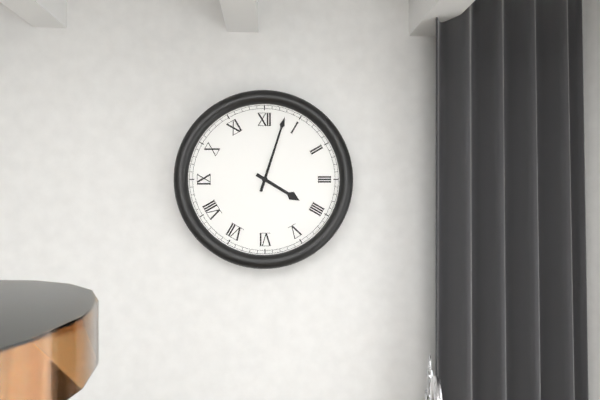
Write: 4:03
